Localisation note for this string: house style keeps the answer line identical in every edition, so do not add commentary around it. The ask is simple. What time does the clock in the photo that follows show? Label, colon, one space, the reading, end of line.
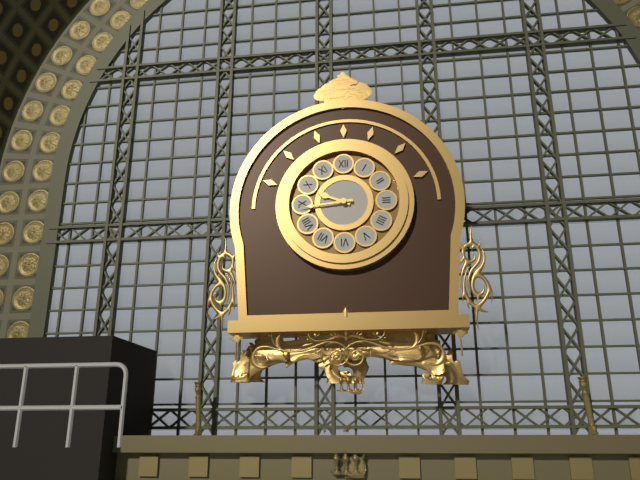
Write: 9:44
